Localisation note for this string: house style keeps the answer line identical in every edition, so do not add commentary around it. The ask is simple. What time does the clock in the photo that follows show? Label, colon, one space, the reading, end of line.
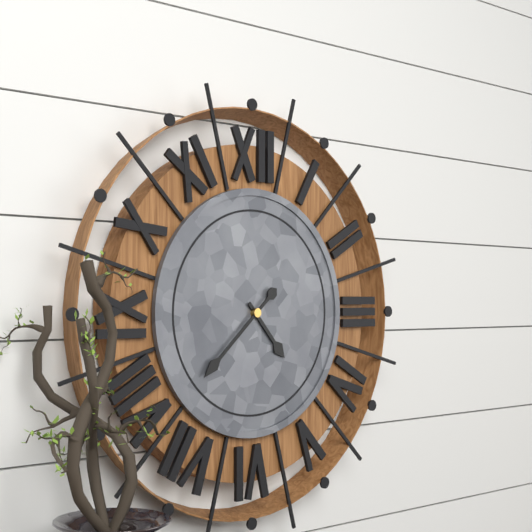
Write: 4:38
